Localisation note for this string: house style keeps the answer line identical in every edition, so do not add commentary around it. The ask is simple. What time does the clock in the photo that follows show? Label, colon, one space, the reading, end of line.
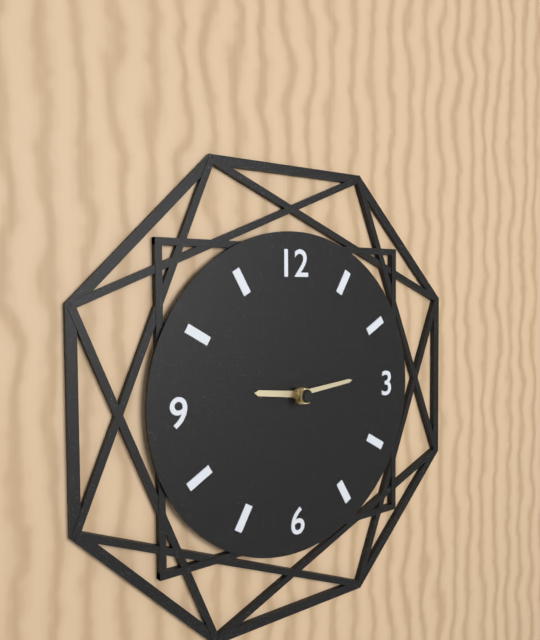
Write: 9:14
